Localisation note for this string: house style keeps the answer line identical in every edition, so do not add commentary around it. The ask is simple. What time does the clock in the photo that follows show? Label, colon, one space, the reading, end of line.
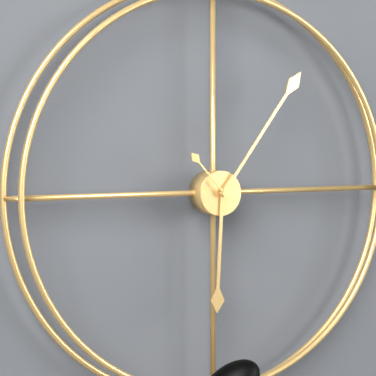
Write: 6:06:53
